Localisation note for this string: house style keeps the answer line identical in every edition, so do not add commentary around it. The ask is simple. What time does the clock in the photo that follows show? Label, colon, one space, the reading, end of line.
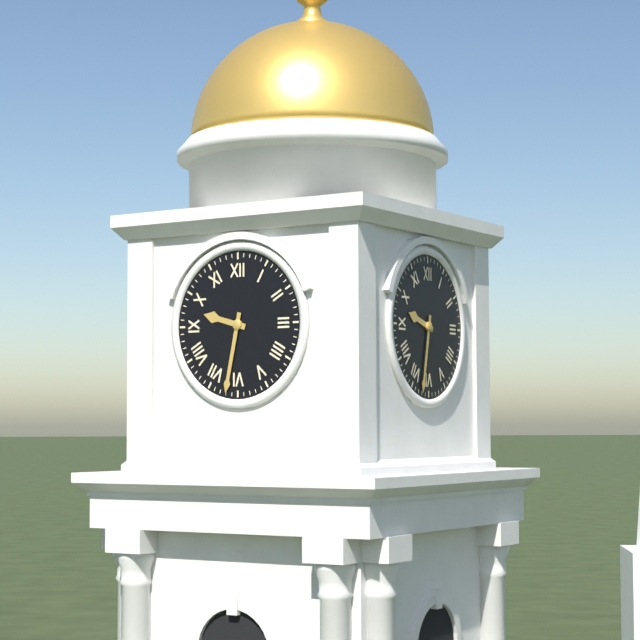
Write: 9:32
